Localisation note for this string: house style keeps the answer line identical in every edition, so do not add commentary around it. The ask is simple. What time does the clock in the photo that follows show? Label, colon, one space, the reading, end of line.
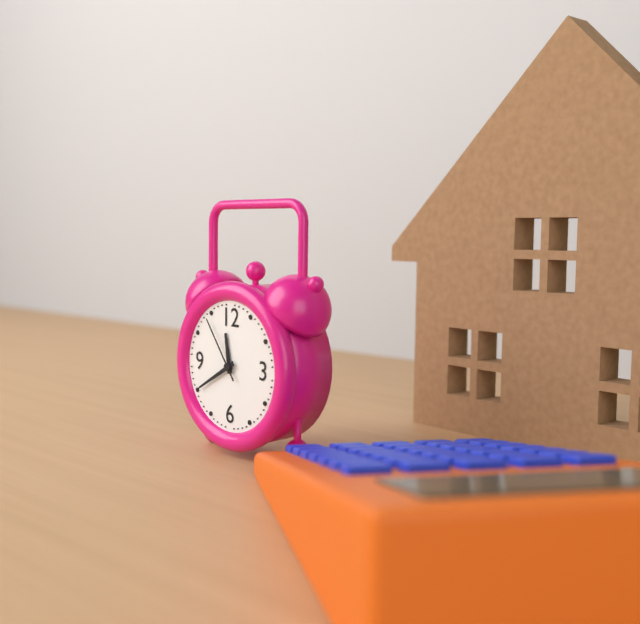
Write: 11:40:54
